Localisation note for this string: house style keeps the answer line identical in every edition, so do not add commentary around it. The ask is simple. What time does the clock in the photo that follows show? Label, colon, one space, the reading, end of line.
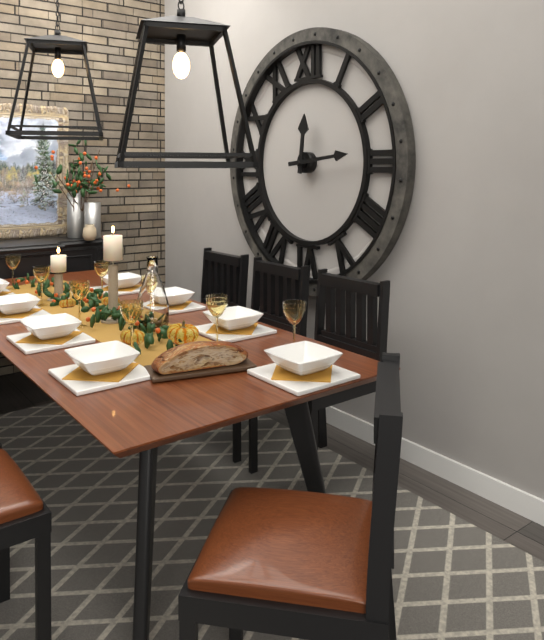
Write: 12:14
